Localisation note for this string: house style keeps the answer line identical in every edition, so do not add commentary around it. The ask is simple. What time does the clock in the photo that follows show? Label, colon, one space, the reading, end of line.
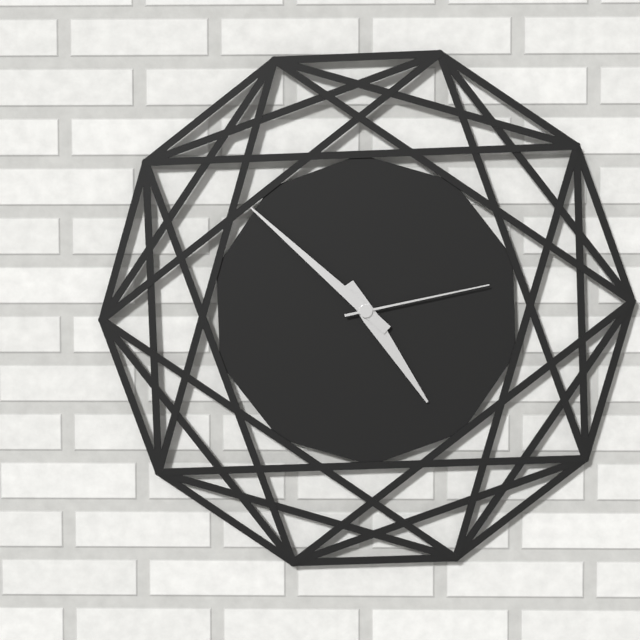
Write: 4:52:13
